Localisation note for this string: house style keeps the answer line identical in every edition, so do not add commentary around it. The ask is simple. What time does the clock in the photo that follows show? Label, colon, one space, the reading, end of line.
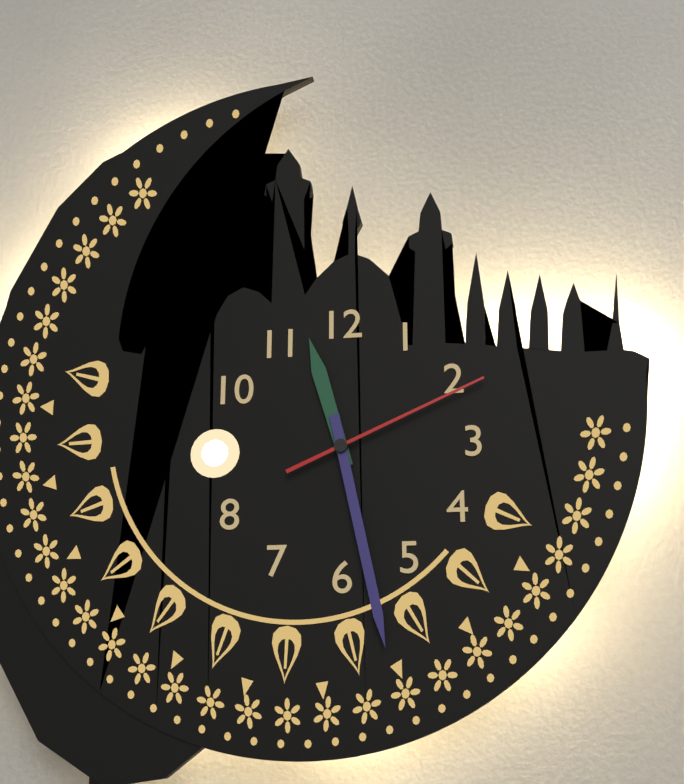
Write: 11:28:11
